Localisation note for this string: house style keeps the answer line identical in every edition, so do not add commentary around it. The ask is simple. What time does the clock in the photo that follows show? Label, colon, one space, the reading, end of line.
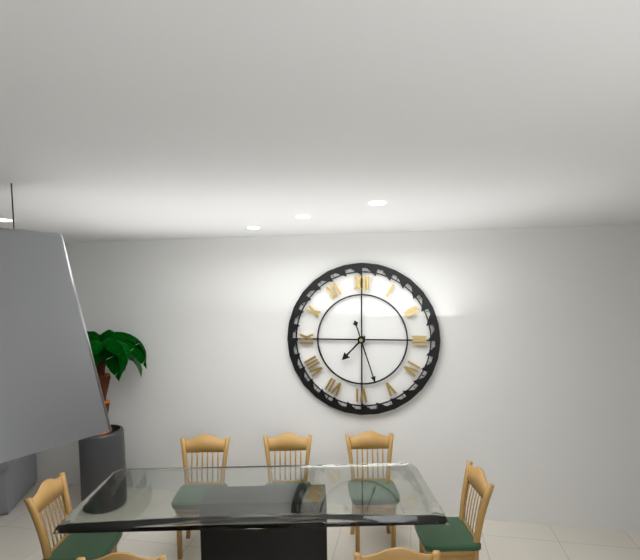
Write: 7:27
